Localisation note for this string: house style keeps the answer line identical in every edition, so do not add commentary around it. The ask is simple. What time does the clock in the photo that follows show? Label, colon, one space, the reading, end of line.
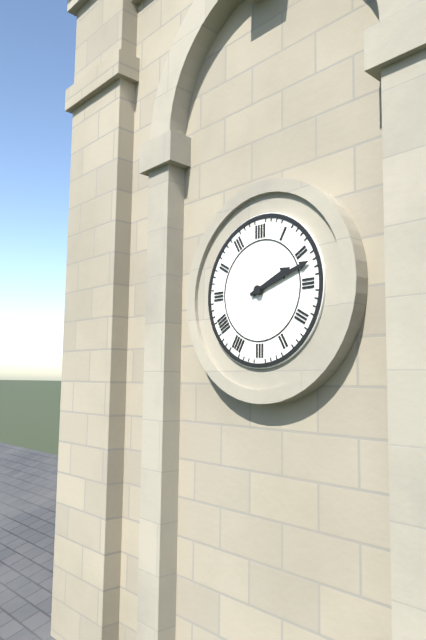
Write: 2:12
